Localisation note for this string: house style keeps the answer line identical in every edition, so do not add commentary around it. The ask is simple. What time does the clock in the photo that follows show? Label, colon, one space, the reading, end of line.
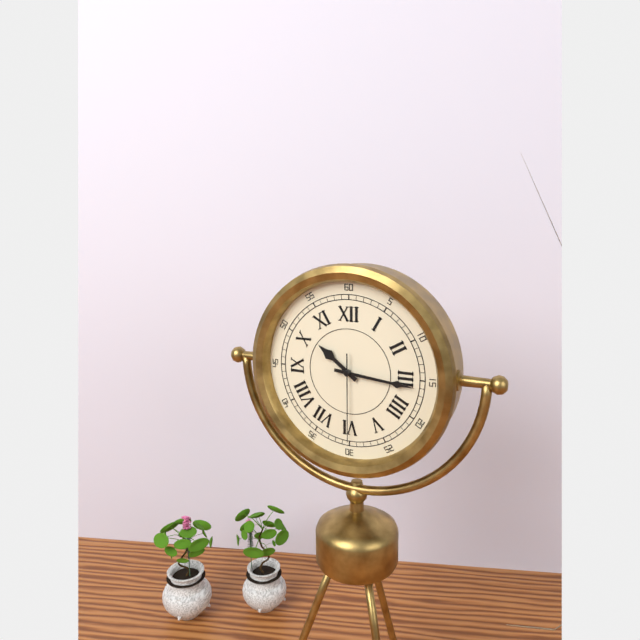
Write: 10:16:30
